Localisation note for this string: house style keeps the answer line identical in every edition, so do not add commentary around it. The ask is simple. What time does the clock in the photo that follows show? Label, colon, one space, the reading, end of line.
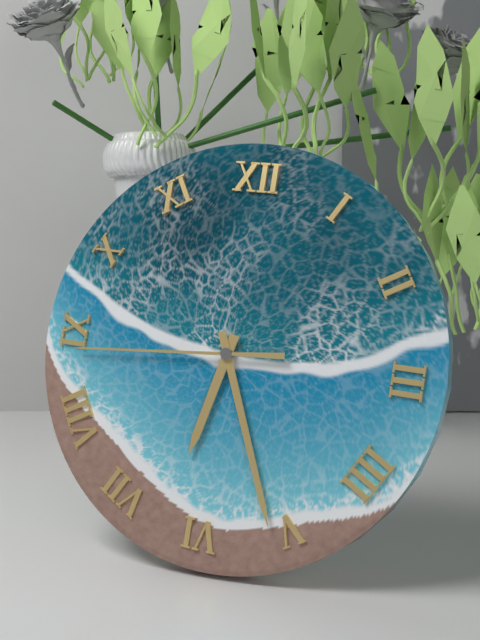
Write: 6:26:44
